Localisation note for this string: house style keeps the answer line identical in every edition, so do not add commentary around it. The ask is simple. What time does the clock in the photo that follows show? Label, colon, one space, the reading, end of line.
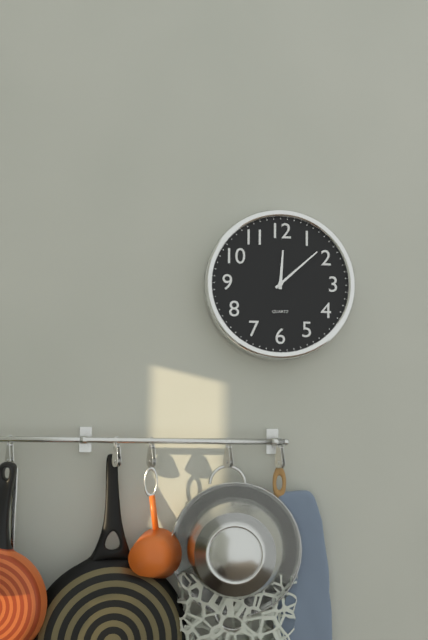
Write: 12:08
